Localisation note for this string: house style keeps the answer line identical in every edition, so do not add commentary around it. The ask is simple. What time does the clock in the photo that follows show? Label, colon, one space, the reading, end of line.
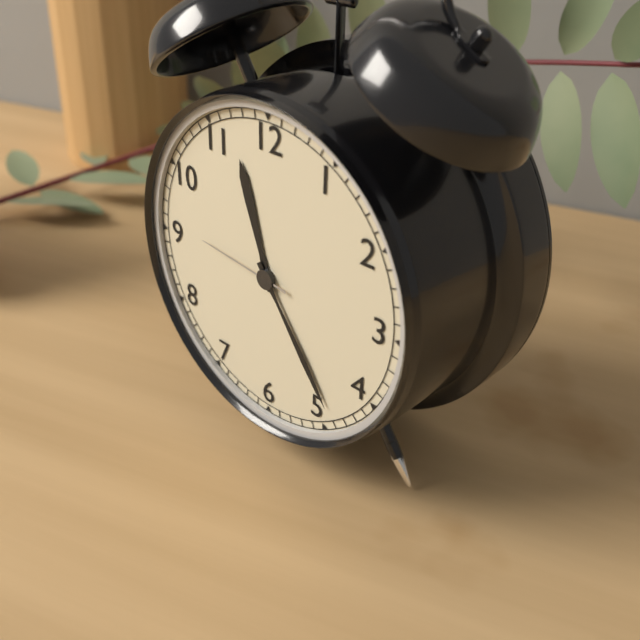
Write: 11:24:46
